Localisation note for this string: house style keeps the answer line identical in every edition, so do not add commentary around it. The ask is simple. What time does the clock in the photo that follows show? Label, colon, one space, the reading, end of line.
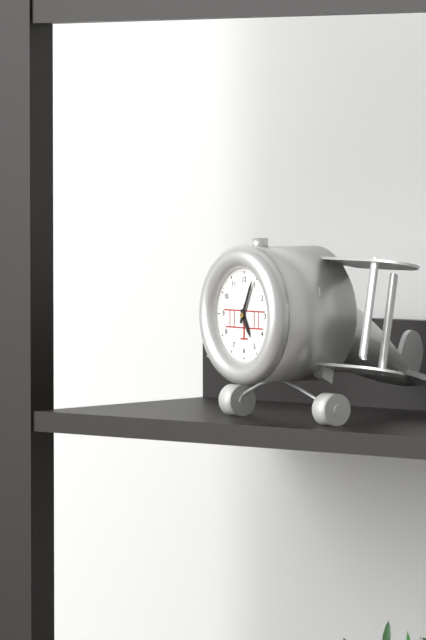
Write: 5:04
